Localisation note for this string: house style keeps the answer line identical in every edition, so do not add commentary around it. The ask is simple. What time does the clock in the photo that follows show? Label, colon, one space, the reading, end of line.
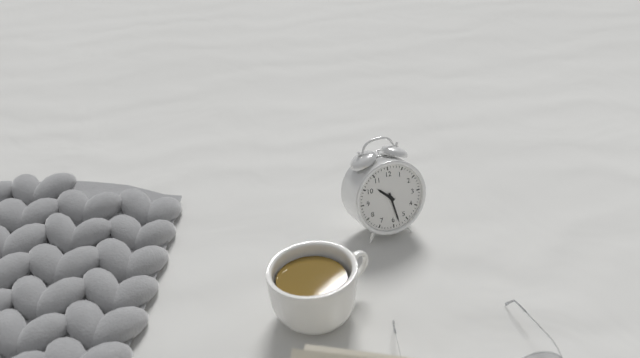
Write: 10:28
